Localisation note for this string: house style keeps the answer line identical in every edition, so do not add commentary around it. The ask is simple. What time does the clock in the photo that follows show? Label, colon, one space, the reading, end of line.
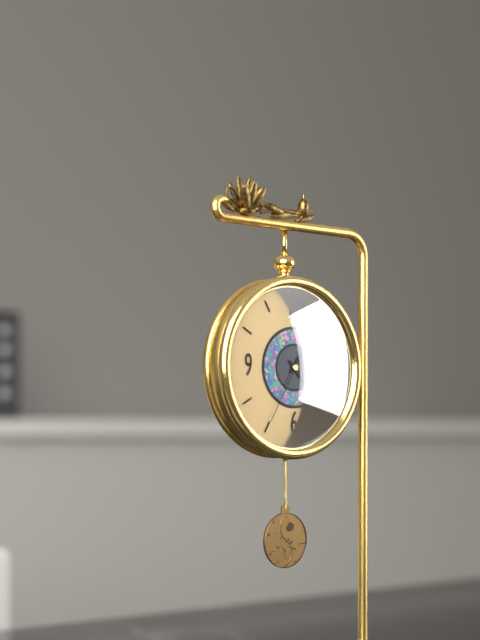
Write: 1:23:35
